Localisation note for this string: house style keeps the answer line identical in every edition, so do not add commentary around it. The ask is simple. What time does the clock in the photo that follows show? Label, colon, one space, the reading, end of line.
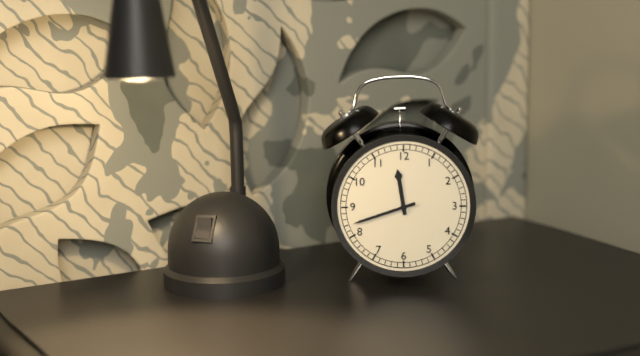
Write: 11:42
